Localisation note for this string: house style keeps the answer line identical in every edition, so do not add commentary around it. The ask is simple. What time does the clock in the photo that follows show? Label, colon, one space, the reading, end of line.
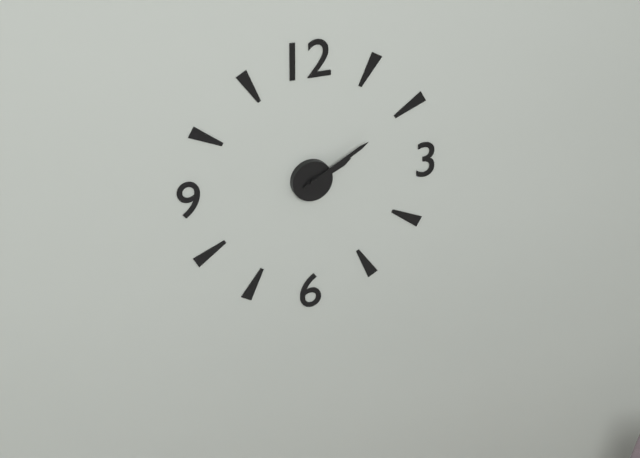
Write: 2:10
